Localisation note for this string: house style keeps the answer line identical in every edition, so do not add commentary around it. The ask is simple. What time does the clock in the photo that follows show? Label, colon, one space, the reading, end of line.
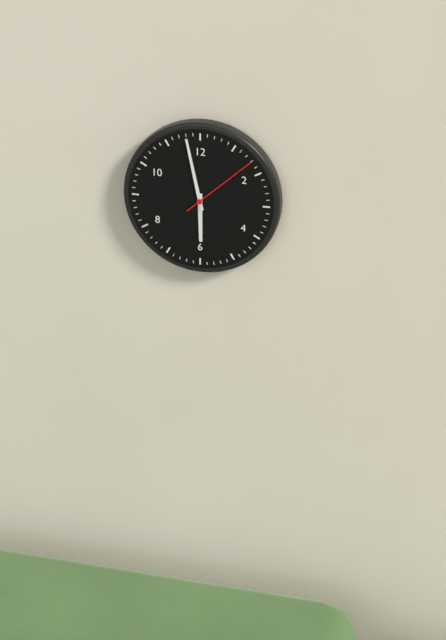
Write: 5:58:08
